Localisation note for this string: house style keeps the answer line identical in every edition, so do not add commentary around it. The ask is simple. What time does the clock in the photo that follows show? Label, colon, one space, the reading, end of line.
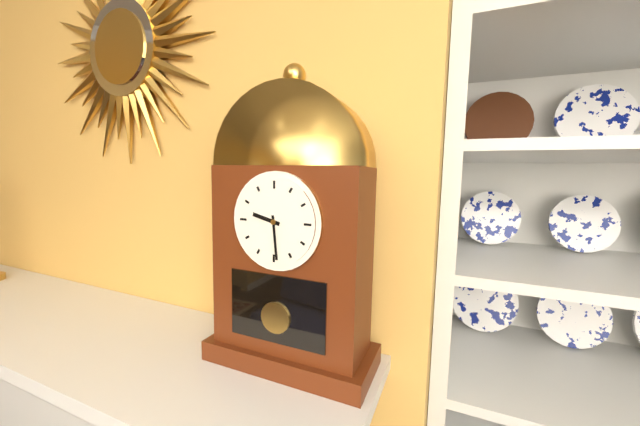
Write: 9:29
